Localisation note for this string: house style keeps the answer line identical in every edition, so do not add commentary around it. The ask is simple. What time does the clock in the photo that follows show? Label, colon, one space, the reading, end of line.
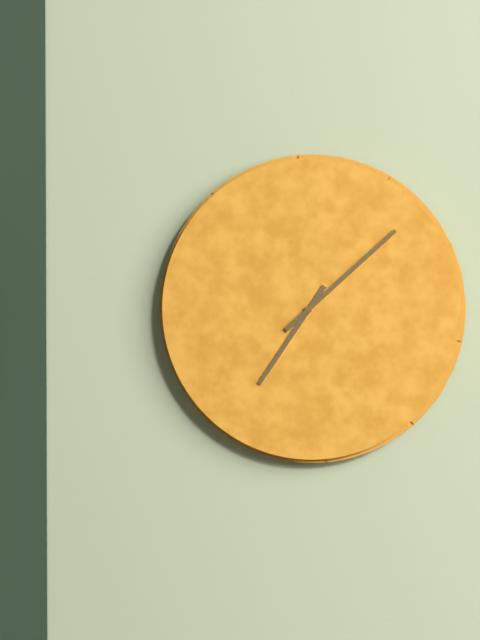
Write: 7:08
